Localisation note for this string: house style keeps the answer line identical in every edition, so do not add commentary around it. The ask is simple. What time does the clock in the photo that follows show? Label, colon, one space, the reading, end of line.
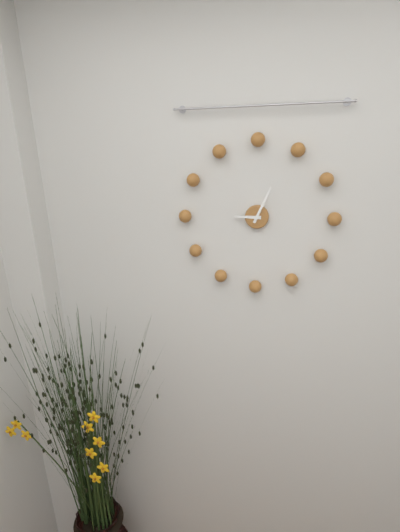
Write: 9:04
